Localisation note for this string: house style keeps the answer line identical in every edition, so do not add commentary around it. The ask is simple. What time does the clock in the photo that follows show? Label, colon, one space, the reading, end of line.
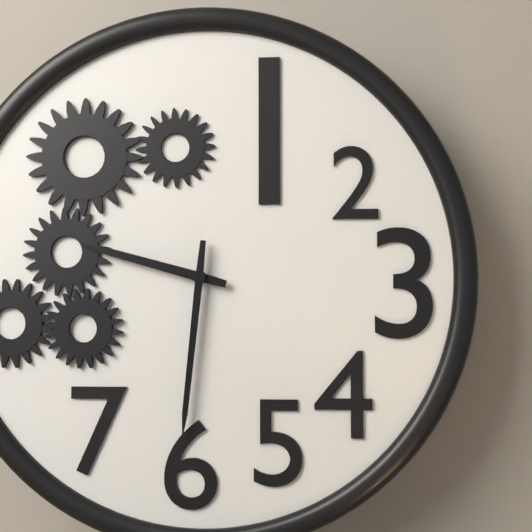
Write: 9:31
